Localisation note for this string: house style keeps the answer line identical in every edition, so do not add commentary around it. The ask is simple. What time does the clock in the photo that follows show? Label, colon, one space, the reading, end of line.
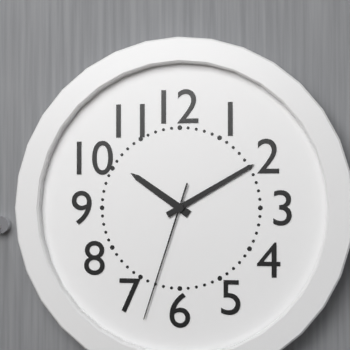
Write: 10:10:33
